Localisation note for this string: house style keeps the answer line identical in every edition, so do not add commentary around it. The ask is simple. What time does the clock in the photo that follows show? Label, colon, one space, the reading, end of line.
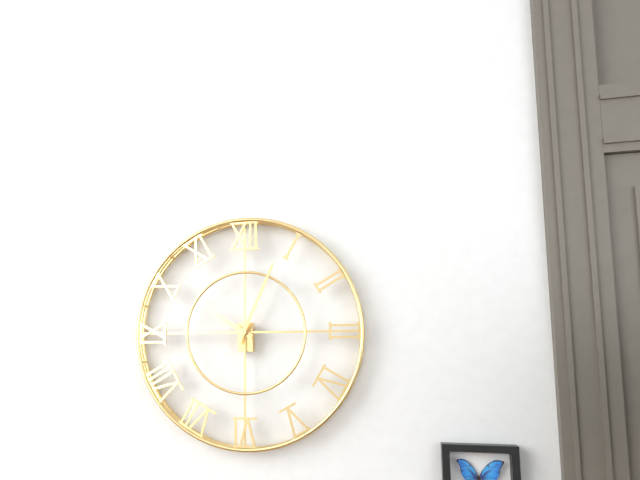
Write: 10:04
